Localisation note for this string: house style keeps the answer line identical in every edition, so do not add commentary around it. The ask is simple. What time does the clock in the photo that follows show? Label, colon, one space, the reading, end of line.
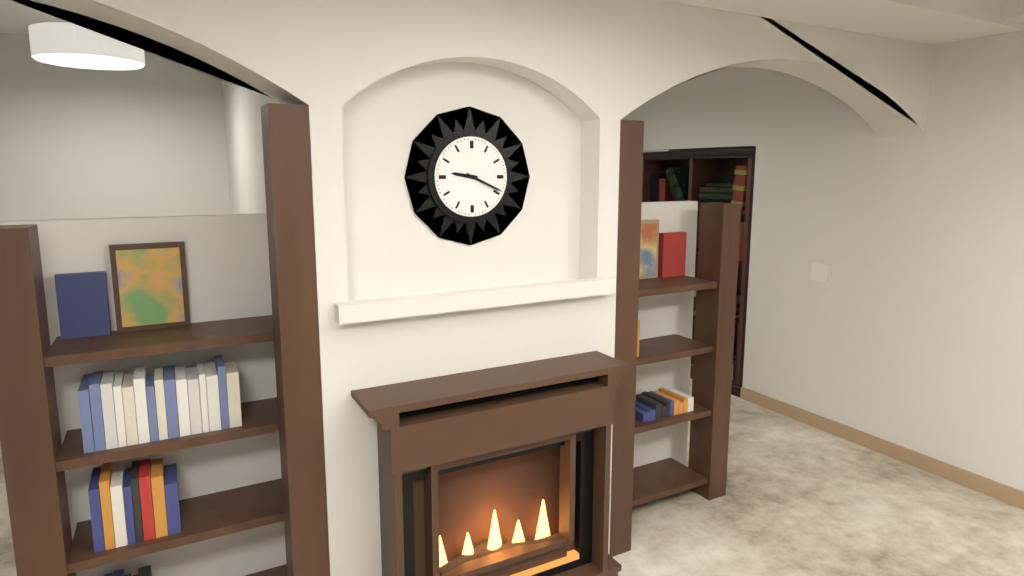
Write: 9:19
